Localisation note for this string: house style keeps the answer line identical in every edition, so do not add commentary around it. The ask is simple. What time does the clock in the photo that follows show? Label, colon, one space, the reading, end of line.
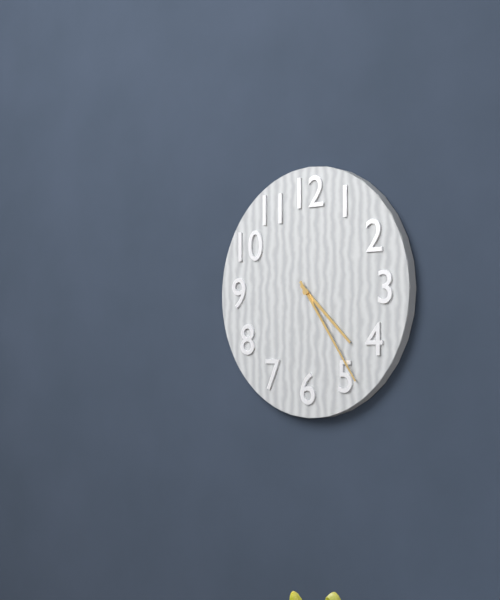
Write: 4:24
